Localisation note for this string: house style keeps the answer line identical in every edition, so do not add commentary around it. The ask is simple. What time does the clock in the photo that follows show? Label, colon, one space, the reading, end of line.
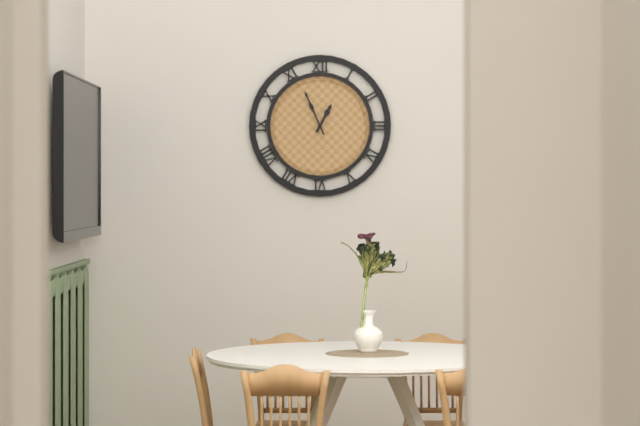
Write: 12:56
